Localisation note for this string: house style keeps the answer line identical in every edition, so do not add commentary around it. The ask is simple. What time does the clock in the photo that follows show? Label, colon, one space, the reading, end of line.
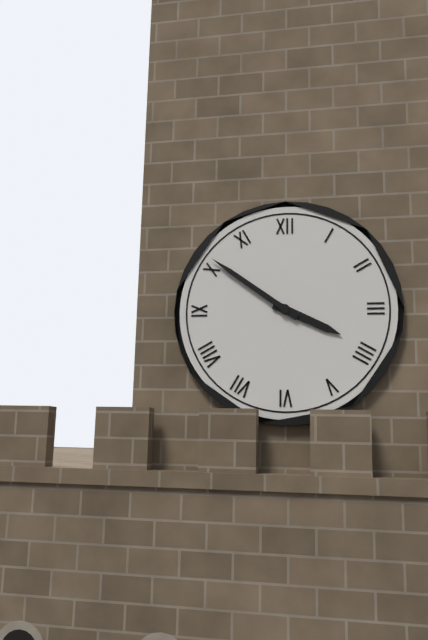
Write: 3:51
